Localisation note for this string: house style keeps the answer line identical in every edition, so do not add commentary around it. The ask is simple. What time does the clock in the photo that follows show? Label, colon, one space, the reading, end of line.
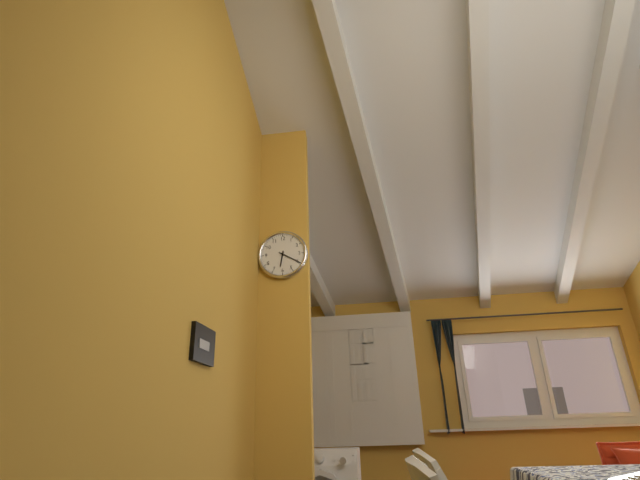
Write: 6:20
